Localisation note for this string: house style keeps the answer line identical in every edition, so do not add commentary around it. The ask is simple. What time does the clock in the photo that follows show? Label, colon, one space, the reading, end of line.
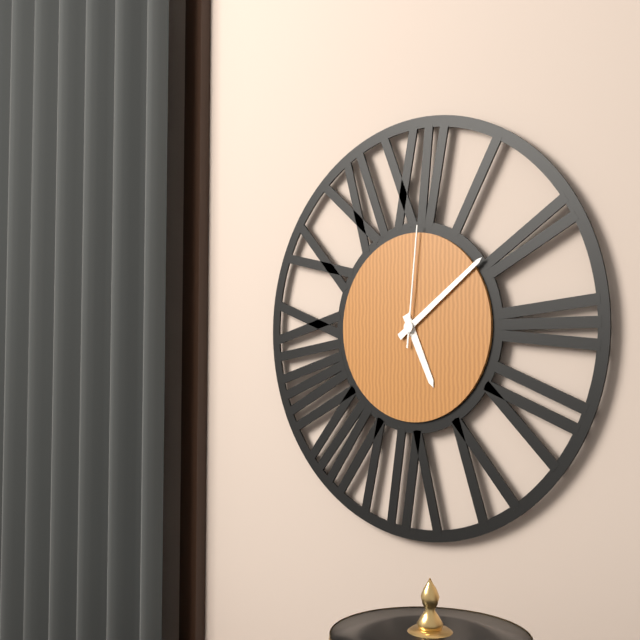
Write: 5:09:01
